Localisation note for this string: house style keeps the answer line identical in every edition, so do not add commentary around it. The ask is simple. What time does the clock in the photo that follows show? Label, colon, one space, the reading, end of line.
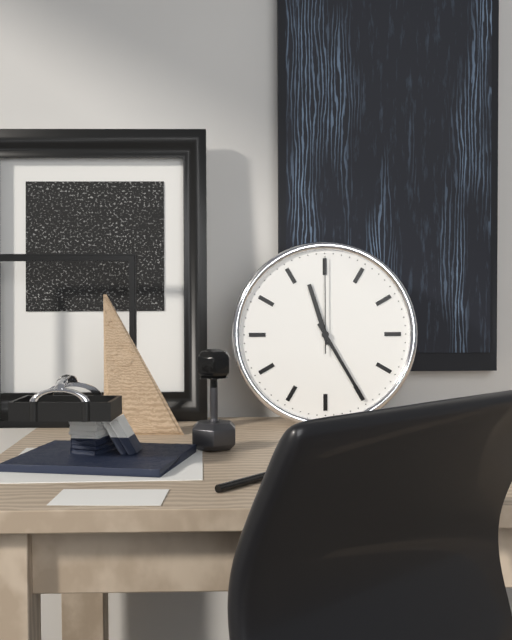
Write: 11:25:00
